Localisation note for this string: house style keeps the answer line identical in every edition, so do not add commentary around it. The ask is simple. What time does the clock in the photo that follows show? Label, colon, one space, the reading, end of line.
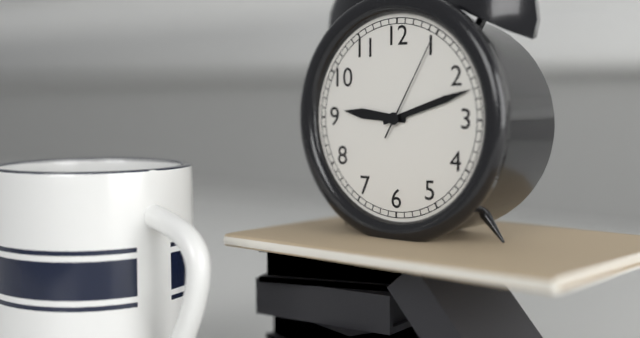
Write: 9:12:05
